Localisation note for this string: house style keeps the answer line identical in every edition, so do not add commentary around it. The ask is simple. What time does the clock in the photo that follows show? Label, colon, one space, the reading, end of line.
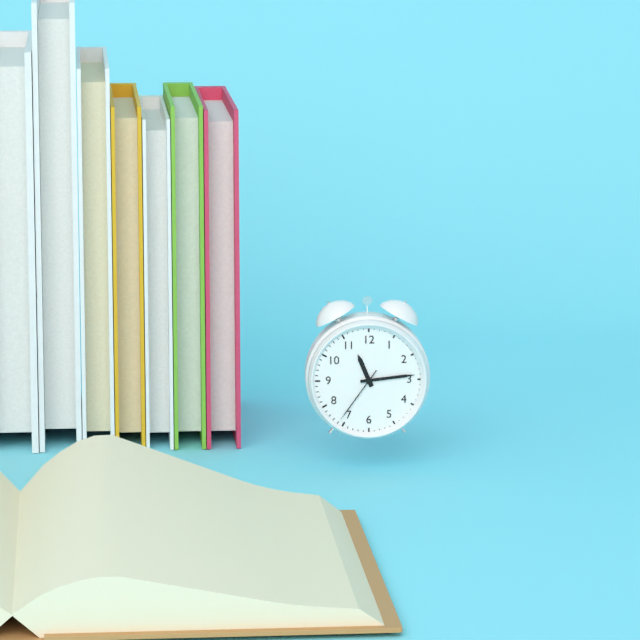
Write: 11:14:36
